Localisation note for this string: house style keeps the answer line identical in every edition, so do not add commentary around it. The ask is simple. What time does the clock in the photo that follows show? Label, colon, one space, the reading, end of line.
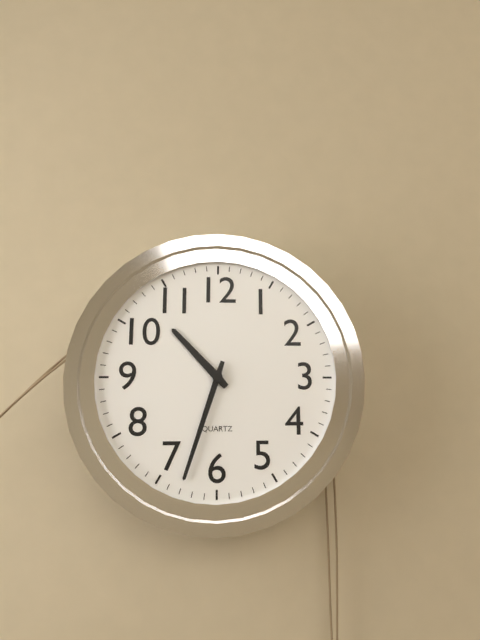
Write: 10:33
